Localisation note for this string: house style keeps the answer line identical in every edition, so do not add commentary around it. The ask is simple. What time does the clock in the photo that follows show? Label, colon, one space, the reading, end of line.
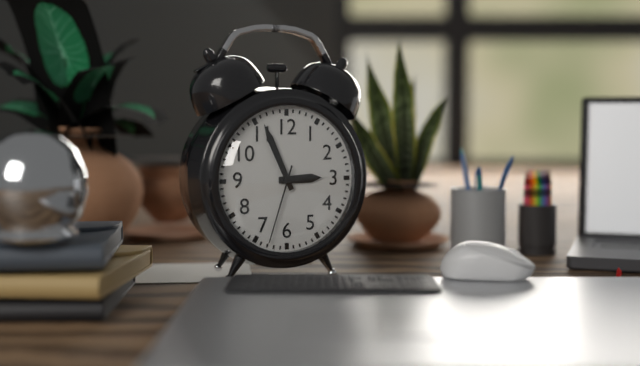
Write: 2:56:33
